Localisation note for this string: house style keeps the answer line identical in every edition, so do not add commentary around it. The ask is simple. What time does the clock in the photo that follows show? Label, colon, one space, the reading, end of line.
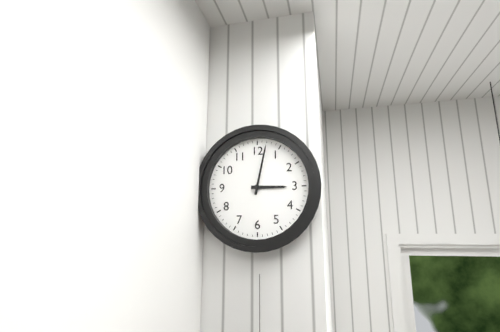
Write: 3:02
